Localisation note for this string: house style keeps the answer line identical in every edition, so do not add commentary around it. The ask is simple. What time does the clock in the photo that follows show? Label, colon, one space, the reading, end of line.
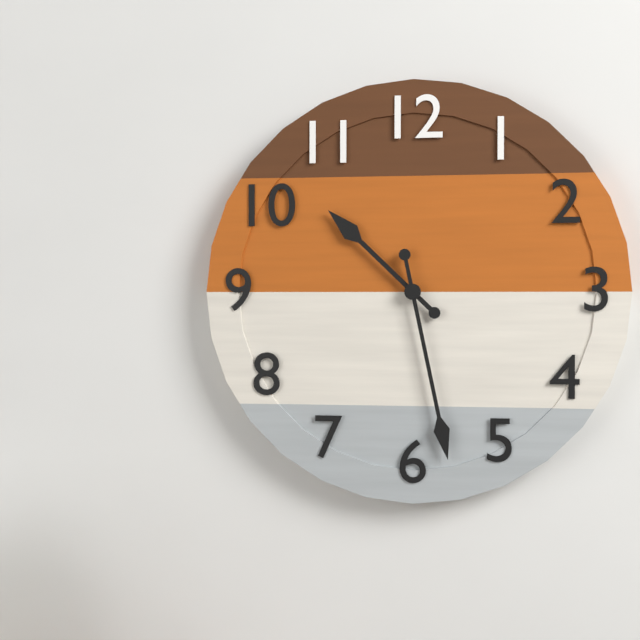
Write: 10:28
